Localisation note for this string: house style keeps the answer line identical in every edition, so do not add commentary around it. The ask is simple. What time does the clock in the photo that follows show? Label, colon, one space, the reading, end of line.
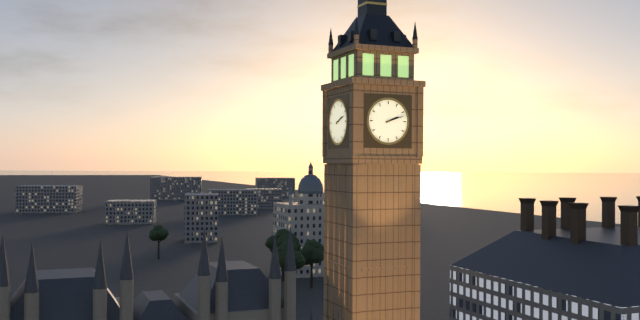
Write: 2:12
